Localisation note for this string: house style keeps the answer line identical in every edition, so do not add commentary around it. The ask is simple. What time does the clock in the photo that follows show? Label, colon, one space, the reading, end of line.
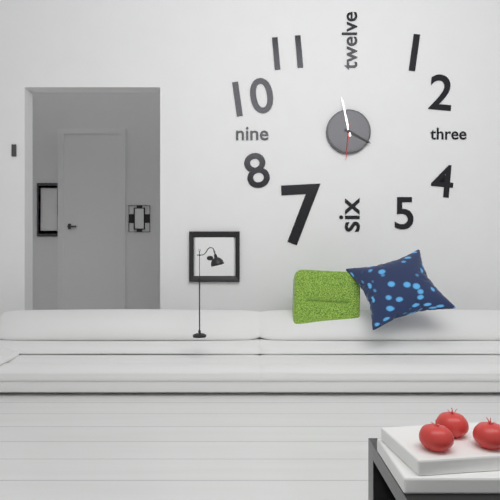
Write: 3:58
